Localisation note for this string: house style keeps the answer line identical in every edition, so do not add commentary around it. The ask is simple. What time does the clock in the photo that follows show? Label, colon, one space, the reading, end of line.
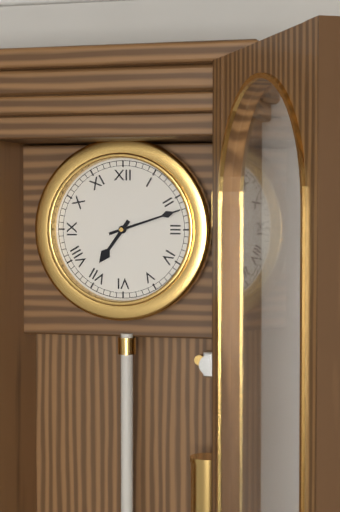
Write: 7:12
